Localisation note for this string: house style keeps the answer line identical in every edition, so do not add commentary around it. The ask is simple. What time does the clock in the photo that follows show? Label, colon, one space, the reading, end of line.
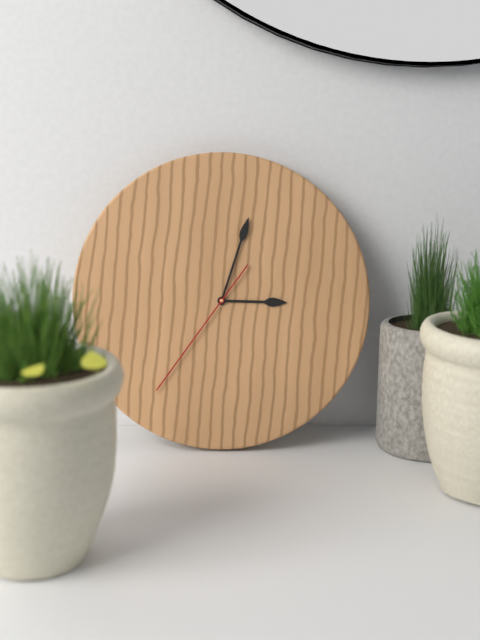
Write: 3:03:36
